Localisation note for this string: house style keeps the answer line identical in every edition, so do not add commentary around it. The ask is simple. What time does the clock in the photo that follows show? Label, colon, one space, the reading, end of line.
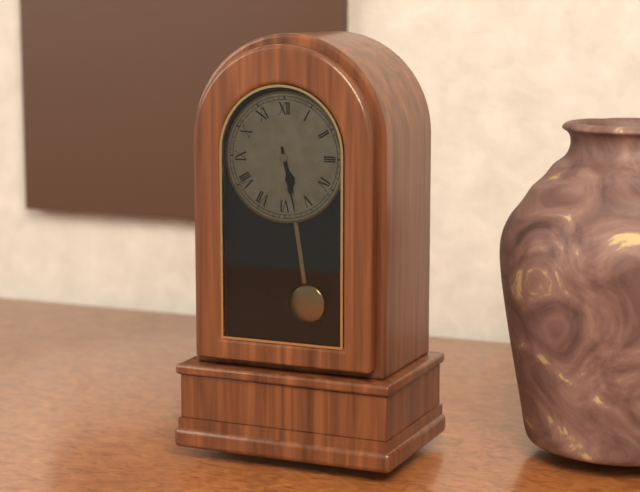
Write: 5:28
